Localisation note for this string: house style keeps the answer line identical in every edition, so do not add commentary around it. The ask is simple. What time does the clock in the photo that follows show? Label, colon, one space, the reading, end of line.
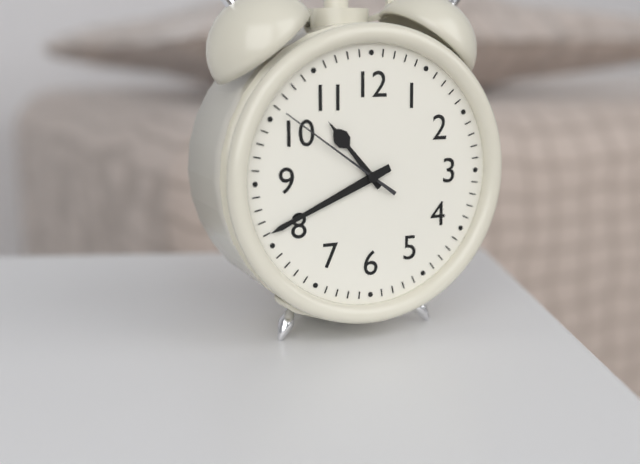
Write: 10:41:51
